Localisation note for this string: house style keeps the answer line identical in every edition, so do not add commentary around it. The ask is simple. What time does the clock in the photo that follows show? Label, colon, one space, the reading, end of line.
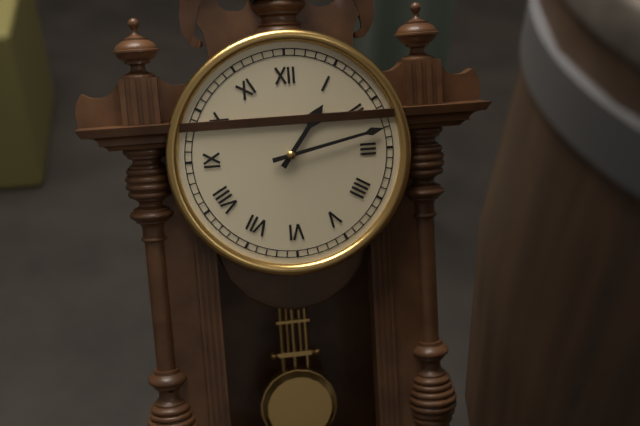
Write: 1:13
